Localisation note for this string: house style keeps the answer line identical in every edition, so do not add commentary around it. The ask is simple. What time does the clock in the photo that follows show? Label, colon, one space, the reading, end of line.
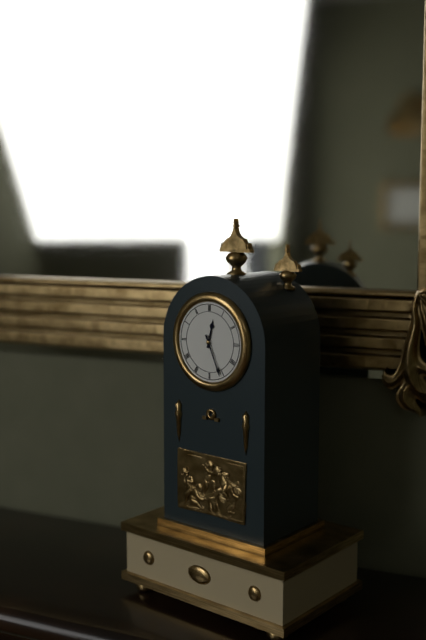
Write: 12:26
